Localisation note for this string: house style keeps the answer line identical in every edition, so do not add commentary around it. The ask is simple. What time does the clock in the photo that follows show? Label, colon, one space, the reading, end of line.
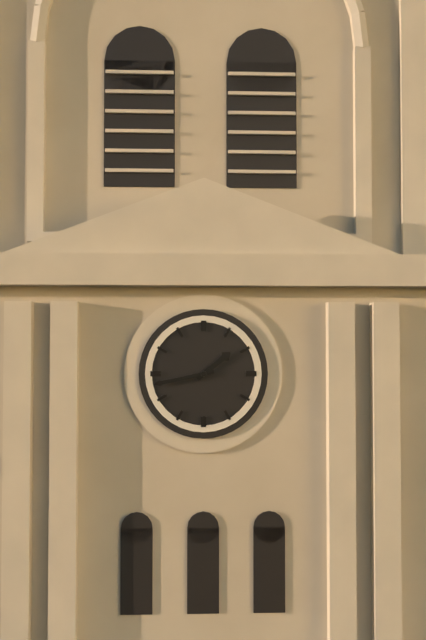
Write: 1:43
